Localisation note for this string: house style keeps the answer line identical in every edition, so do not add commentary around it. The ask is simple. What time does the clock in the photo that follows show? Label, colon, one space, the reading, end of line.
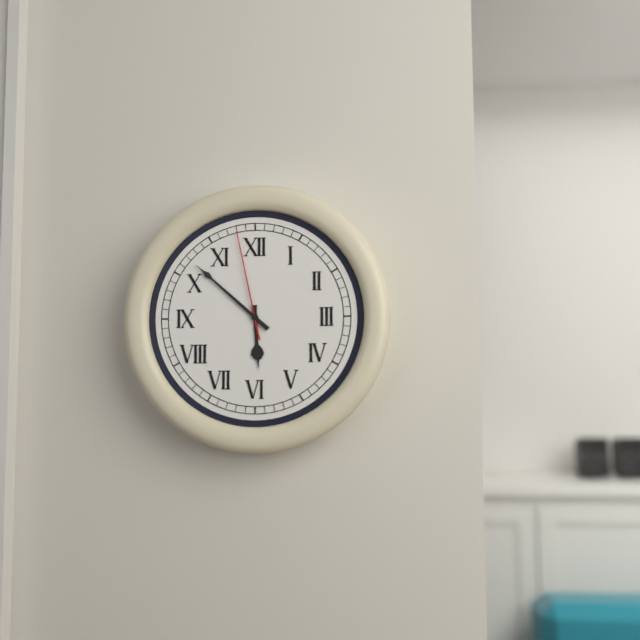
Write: 5:52:58
